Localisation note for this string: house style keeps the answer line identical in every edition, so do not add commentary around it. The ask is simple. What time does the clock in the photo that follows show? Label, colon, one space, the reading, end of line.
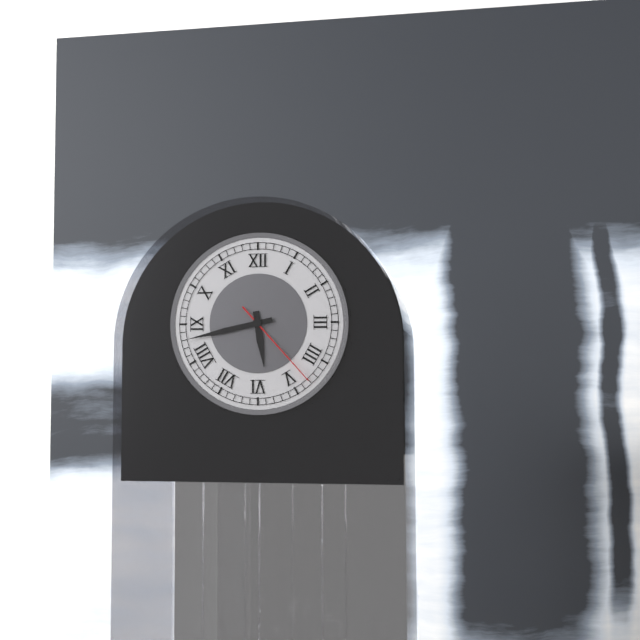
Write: 5:43:23
